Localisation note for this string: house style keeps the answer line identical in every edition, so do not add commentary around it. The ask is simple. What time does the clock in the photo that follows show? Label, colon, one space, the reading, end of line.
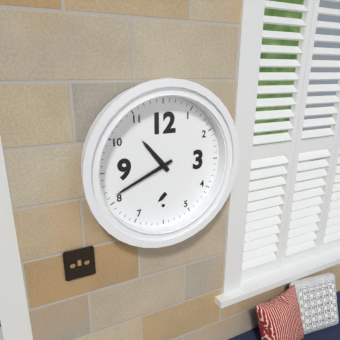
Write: 10:41
